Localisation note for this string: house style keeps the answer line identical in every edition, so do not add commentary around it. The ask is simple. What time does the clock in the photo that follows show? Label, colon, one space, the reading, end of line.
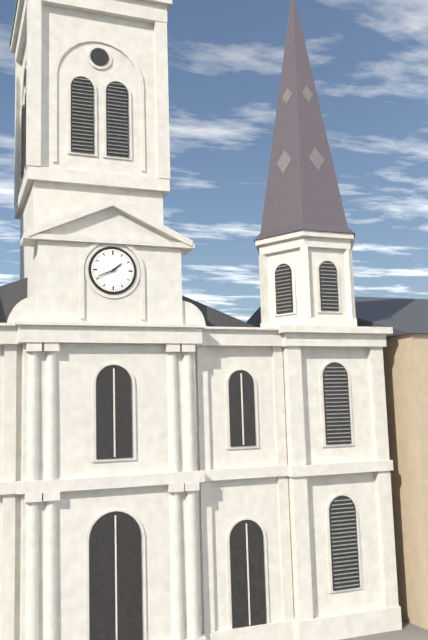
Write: 1:41
